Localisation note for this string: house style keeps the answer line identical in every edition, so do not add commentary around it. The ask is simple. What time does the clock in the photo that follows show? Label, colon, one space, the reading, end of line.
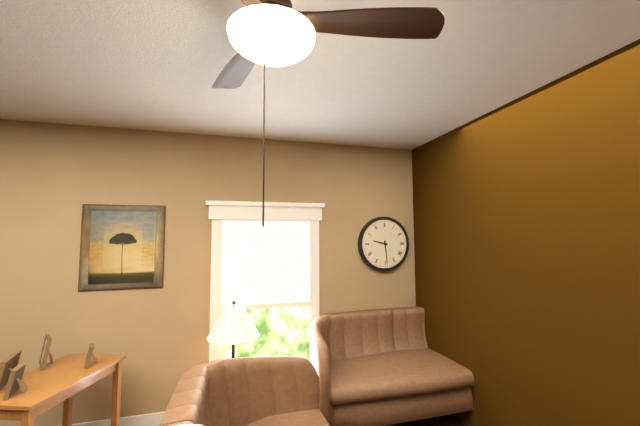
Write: 9:29
